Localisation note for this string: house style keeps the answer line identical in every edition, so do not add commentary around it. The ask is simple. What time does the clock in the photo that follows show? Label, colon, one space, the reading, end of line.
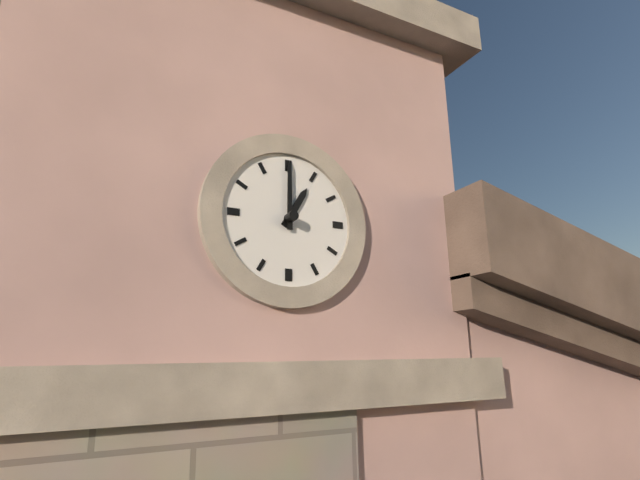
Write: 1:00
